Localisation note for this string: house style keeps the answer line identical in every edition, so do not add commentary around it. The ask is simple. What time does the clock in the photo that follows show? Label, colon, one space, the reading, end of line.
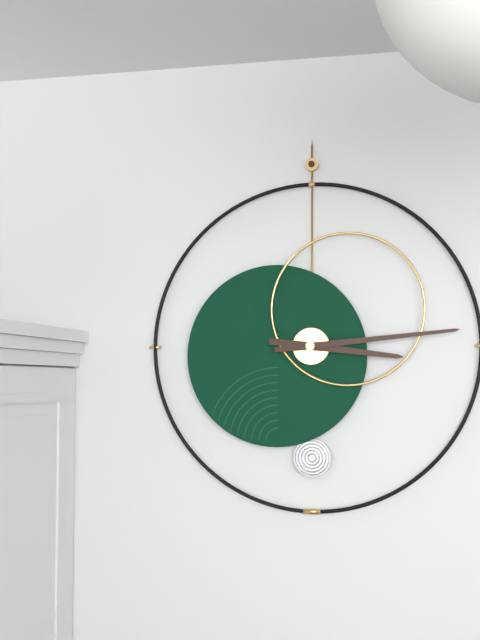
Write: 3:14
